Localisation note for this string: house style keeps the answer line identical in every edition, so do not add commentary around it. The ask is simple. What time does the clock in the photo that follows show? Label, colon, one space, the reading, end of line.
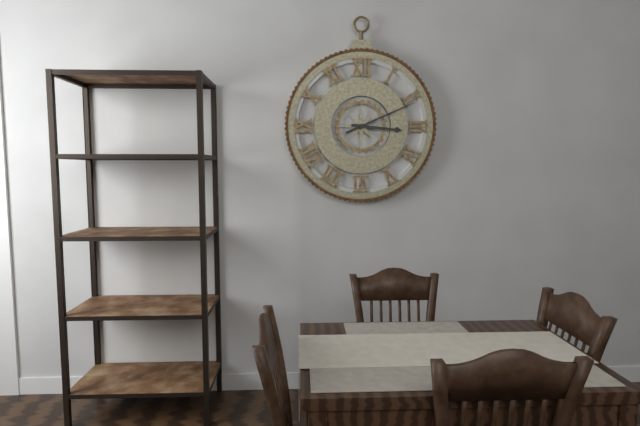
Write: 3:11
